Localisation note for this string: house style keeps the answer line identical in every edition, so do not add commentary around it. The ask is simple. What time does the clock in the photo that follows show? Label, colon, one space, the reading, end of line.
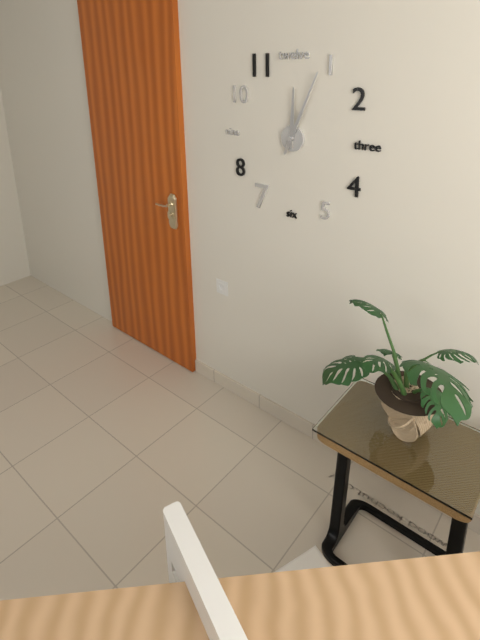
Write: 12:04
